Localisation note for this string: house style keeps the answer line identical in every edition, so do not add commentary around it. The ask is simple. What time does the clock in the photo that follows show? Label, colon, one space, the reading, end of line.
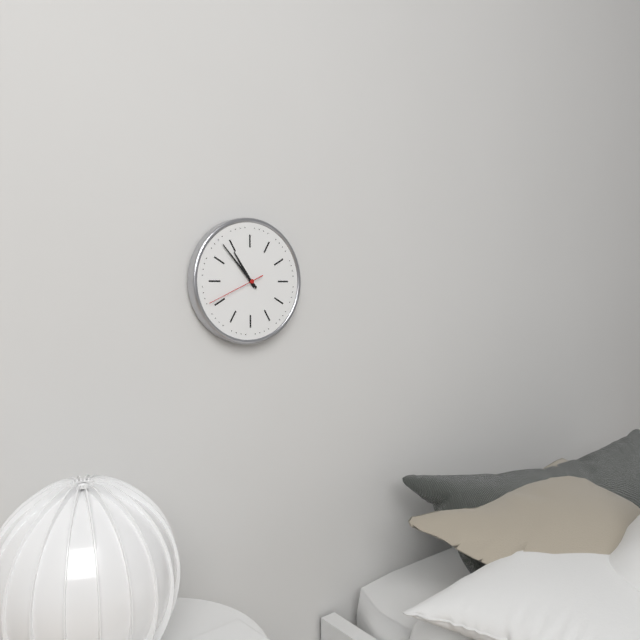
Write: 10:53:41
